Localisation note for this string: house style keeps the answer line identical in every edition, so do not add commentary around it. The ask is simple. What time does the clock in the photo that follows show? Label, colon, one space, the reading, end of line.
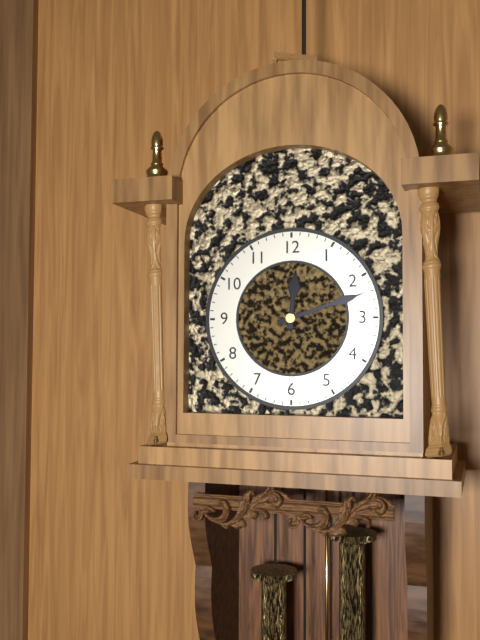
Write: 12:12
